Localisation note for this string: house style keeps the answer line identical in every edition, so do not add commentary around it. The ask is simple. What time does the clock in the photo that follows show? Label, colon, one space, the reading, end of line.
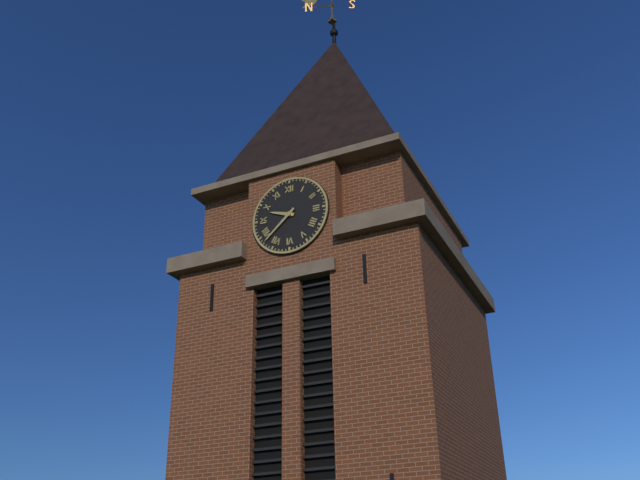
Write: 9:38
